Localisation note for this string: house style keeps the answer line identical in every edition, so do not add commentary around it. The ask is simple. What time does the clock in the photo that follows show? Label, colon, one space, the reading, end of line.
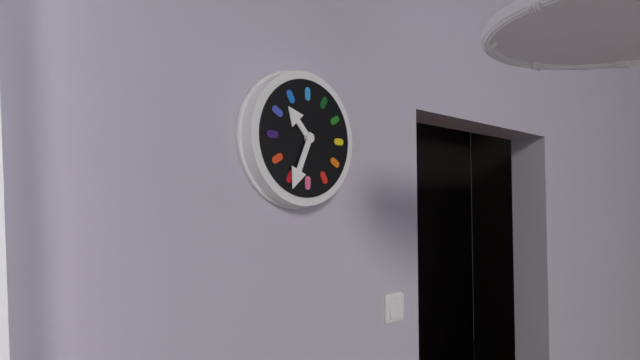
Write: 10:34
